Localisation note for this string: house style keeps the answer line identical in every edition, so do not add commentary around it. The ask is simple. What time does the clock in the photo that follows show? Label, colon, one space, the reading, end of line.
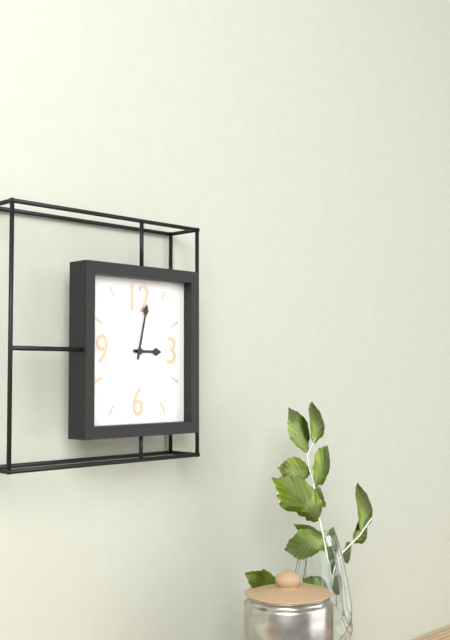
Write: 3:02
